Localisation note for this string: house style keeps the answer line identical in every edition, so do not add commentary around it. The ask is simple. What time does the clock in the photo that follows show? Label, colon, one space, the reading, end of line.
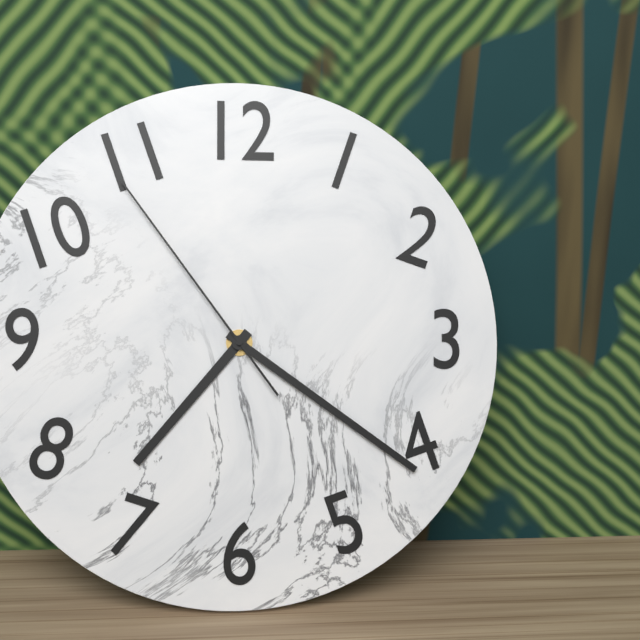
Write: 7:21:54
